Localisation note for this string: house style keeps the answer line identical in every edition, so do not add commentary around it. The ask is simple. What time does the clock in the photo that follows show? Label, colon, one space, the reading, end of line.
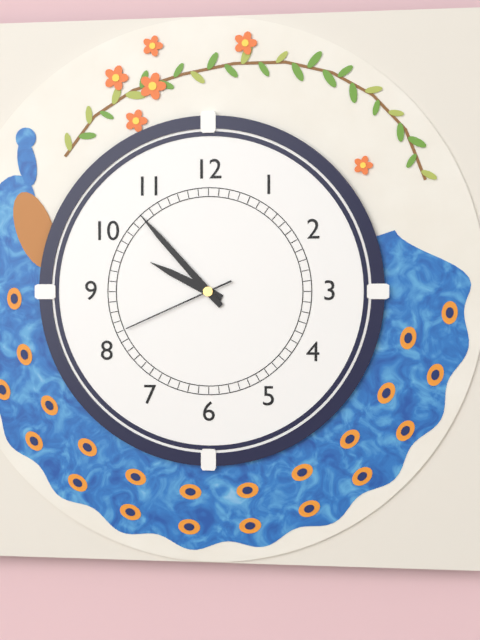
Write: 9:53:41
